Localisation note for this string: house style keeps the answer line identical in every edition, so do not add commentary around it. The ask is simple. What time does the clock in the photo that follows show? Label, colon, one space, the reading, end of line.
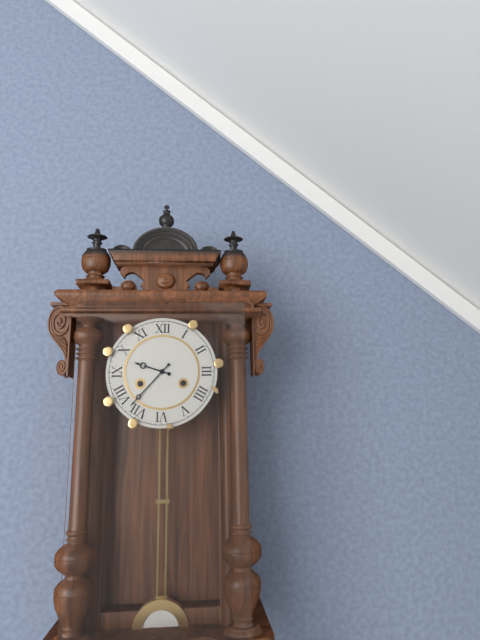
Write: 9:37
